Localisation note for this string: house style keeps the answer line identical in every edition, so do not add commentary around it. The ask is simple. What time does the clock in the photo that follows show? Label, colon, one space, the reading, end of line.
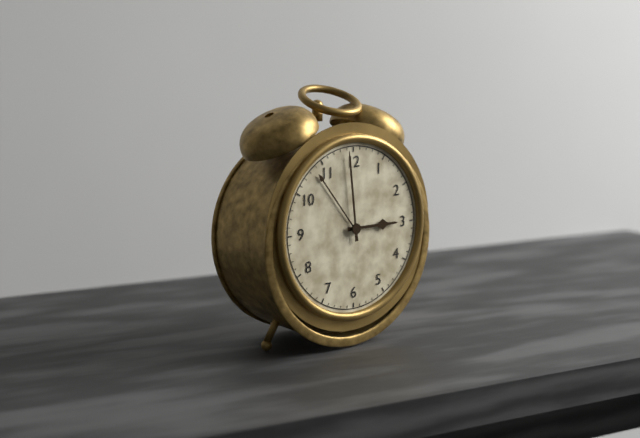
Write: 2:59
